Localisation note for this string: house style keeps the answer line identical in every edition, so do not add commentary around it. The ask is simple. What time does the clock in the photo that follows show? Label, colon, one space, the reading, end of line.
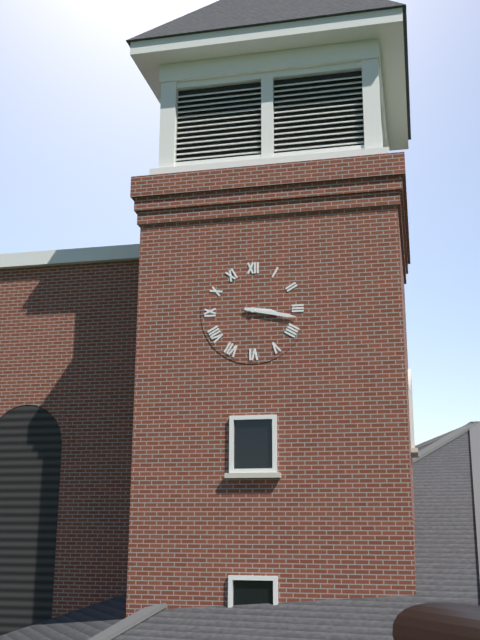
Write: 3:17
